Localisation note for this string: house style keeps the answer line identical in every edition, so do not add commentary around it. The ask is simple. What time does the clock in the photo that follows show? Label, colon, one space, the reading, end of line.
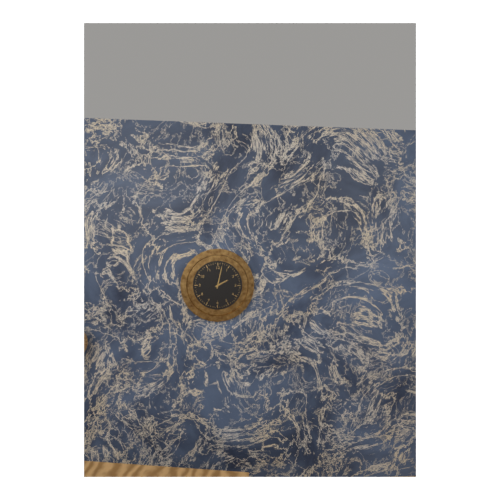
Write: 2:02
